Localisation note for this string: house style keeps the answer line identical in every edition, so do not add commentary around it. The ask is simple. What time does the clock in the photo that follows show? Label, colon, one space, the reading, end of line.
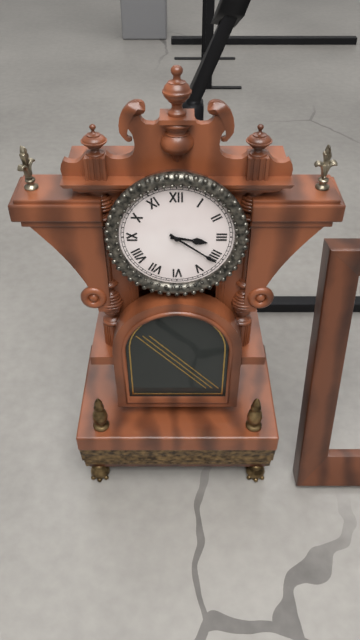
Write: 3:21
